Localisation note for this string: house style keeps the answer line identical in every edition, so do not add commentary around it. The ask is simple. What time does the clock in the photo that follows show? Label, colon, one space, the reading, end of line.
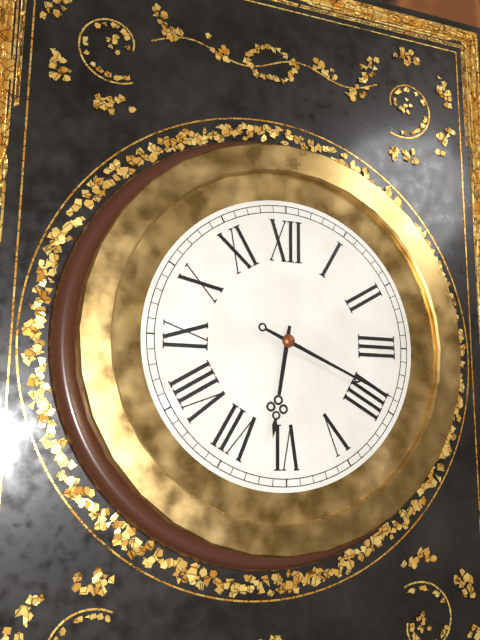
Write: 6:19
